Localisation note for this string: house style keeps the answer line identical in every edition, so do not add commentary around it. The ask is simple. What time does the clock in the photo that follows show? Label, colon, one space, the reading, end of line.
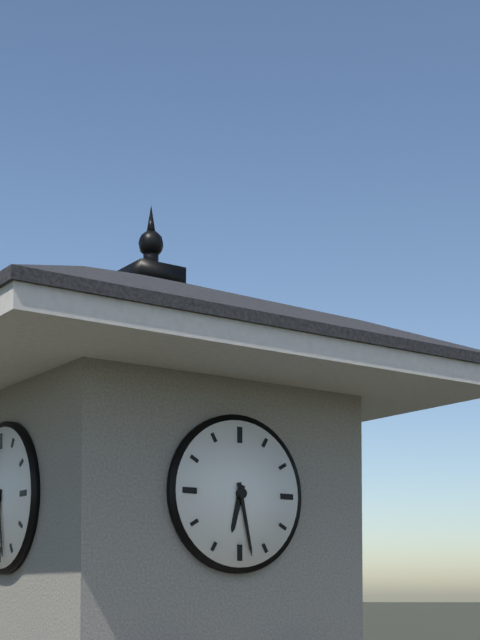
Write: 6:28
